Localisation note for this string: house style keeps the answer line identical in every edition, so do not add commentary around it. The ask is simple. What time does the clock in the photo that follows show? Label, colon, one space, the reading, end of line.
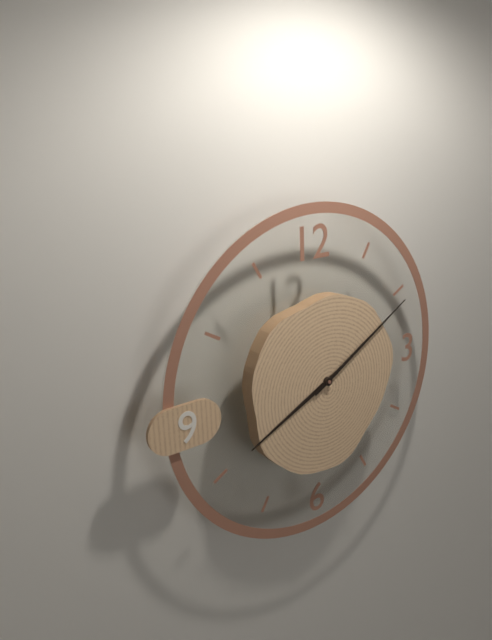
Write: 8:10
